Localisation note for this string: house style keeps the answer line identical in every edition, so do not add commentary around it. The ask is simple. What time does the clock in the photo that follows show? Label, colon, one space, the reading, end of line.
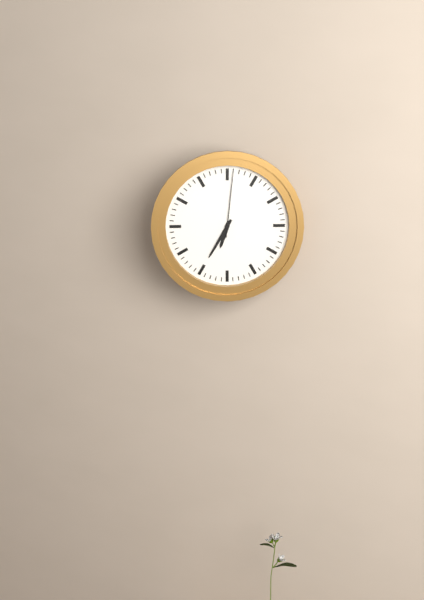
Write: 6:35:01
